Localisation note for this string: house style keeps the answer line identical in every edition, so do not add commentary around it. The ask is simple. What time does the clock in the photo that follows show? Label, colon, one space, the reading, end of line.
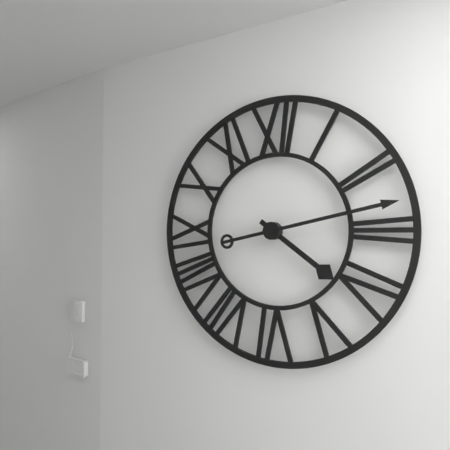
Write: 4:13
